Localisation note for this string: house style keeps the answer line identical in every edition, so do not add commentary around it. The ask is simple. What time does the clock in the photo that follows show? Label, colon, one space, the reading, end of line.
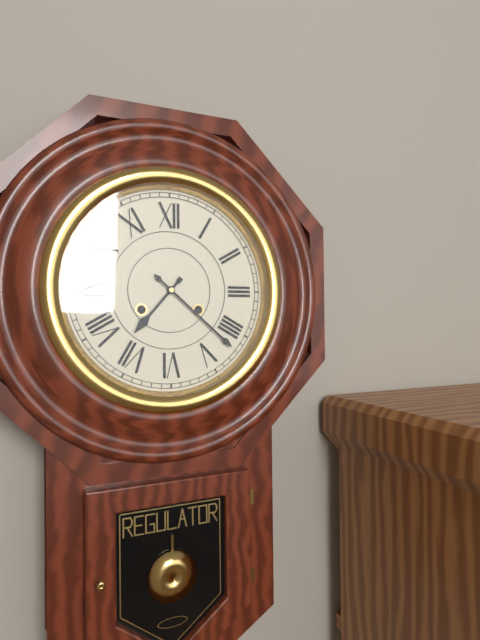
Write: 7:22
